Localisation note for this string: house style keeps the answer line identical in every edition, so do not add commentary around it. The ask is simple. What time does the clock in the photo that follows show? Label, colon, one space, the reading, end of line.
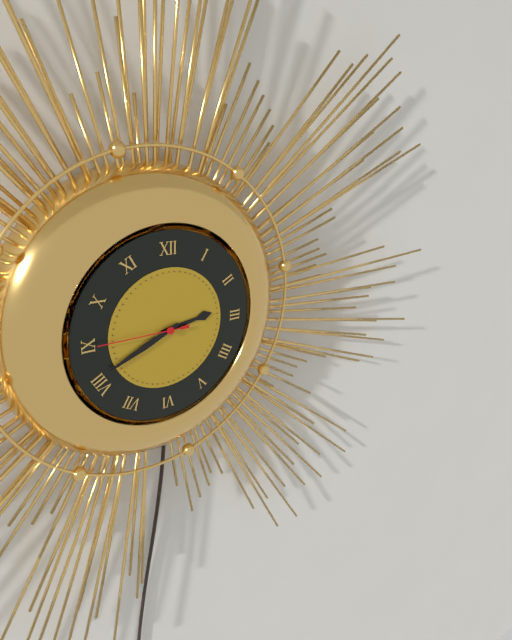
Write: 2:41:45
